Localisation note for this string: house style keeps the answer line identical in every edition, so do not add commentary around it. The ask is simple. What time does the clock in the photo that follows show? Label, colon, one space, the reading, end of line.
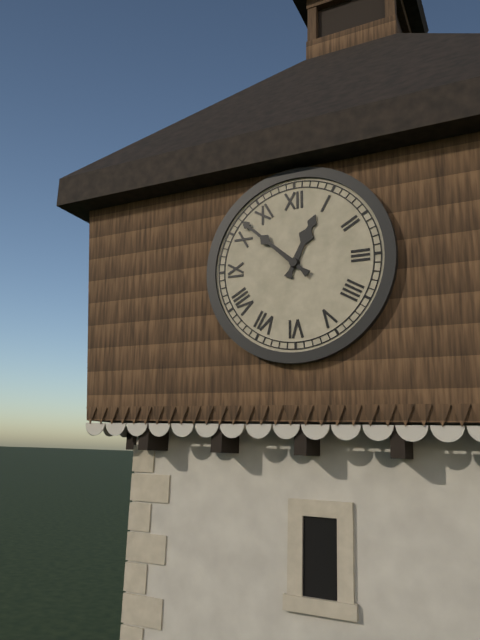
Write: 12:52
